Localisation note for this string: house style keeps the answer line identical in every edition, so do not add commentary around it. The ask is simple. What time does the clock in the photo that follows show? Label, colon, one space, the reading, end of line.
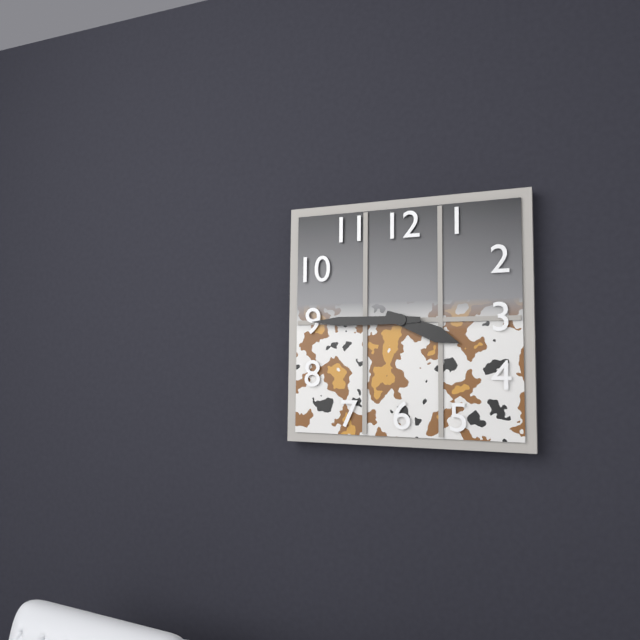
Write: 3:45
